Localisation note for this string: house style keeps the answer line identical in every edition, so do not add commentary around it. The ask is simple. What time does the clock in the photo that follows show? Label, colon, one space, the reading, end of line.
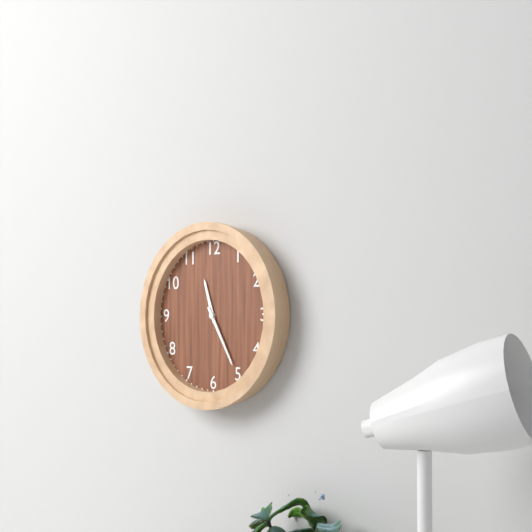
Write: 11:25
